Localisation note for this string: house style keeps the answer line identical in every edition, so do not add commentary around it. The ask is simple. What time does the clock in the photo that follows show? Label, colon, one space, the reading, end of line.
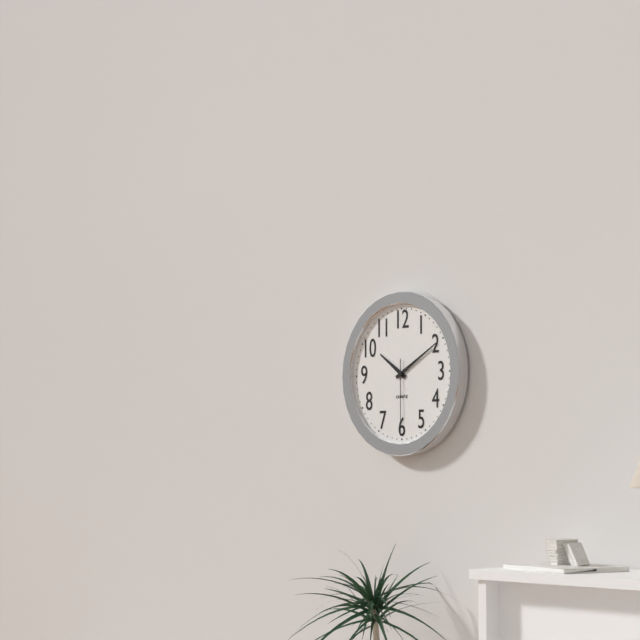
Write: 10:10:30
